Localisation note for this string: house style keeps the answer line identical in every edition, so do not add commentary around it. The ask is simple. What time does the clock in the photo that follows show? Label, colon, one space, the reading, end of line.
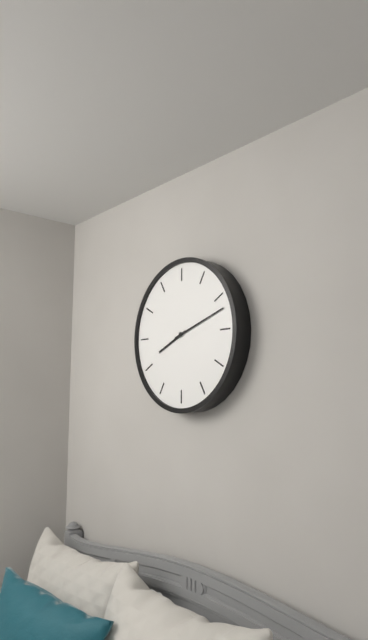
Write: 8:12
